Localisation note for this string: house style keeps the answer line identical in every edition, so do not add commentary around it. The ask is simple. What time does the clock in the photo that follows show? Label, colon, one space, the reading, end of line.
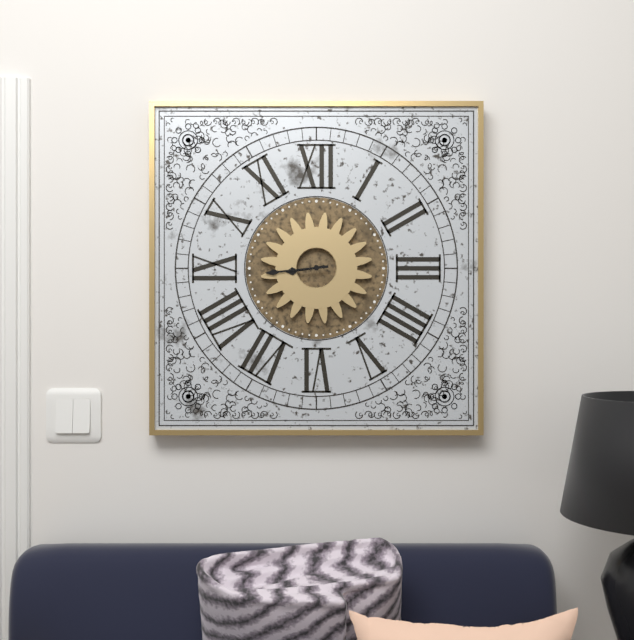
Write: 8:44
